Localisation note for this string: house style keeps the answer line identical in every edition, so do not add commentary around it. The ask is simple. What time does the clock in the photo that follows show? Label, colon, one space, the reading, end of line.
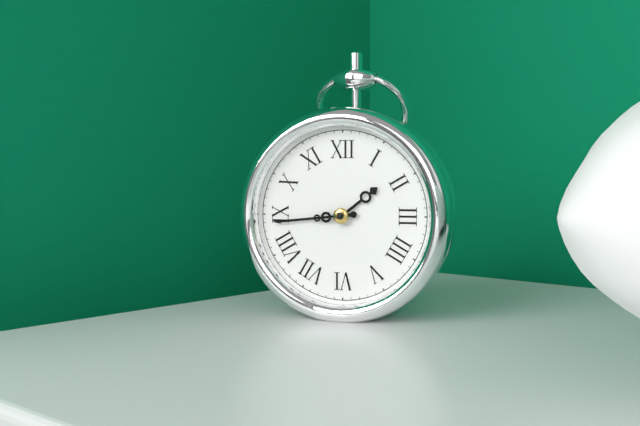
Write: 1:44
